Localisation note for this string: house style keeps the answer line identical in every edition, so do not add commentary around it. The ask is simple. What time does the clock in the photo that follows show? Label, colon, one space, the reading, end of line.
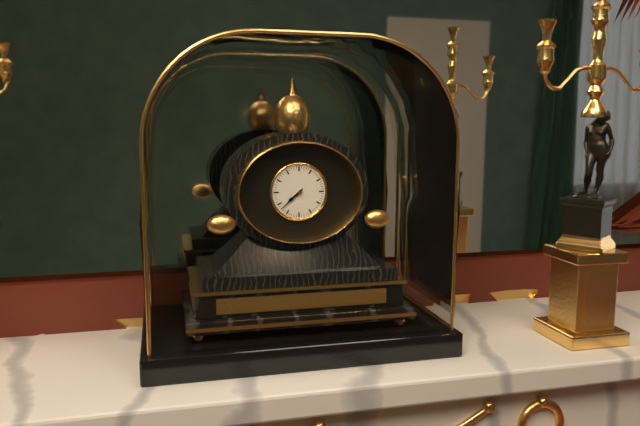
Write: 7:38
